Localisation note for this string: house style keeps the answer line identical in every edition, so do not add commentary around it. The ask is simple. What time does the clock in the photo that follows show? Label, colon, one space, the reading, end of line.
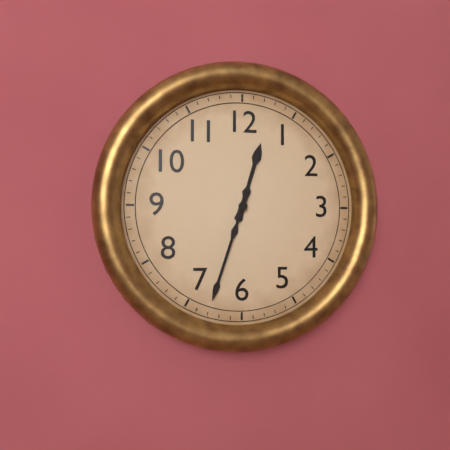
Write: 12:33
